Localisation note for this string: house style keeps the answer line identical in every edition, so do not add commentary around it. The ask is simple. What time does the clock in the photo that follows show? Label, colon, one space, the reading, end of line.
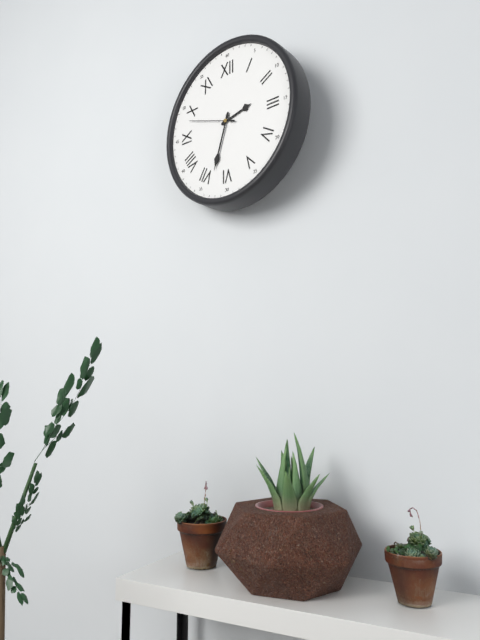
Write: 2:33
